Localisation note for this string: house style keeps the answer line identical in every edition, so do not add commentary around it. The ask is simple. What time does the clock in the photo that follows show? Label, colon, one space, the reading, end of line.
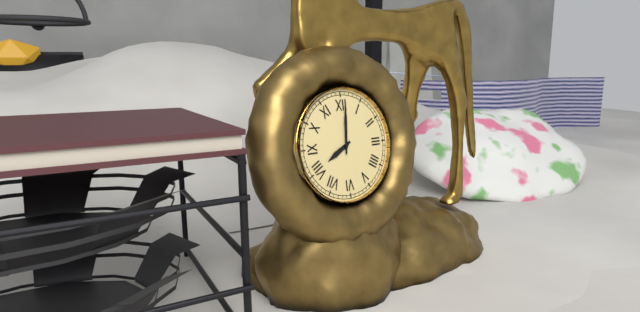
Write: 8:01
